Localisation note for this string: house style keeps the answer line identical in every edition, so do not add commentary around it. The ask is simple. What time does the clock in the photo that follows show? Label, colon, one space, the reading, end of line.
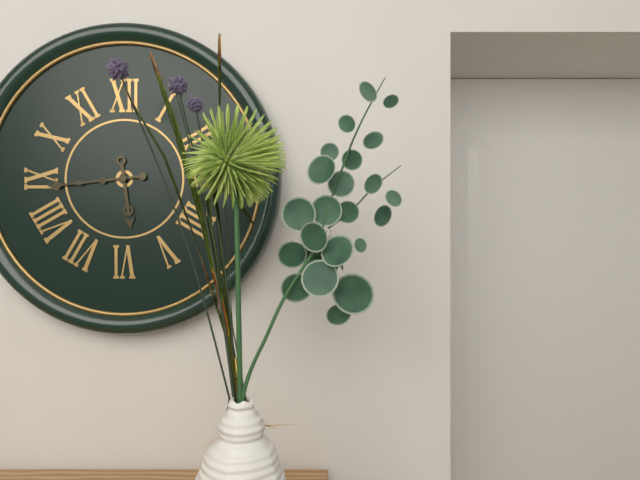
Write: 5:44
